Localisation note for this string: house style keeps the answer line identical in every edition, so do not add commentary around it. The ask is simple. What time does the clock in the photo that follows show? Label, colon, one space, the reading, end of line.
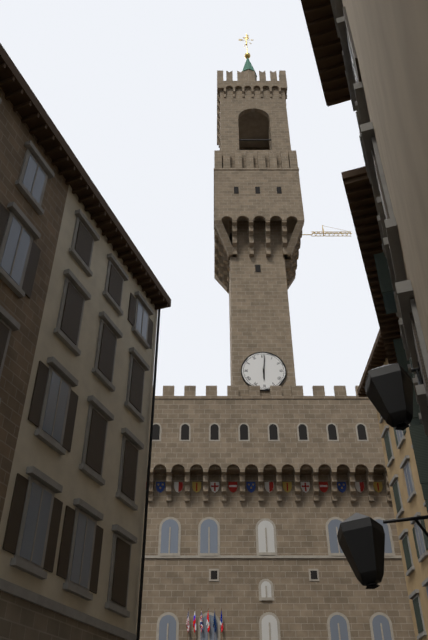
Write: 6:01
